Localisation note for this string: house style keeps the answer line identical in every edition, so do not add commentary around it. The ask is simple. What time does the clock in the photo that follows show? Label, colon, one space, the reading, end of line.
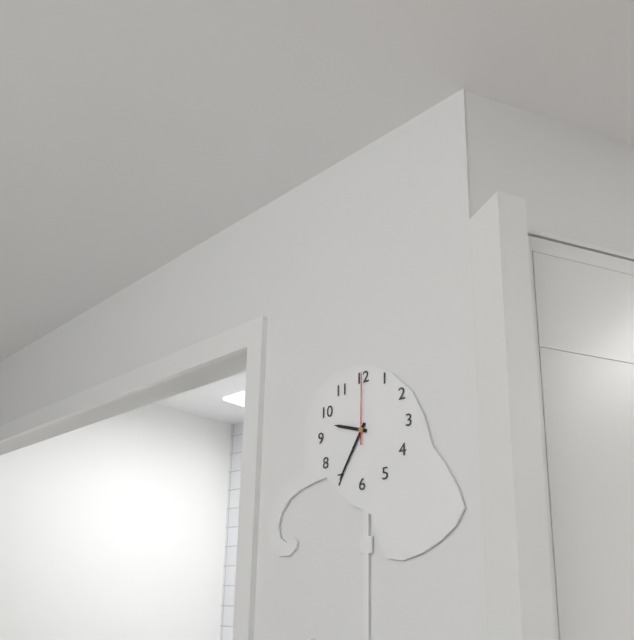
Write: 9:35:00
